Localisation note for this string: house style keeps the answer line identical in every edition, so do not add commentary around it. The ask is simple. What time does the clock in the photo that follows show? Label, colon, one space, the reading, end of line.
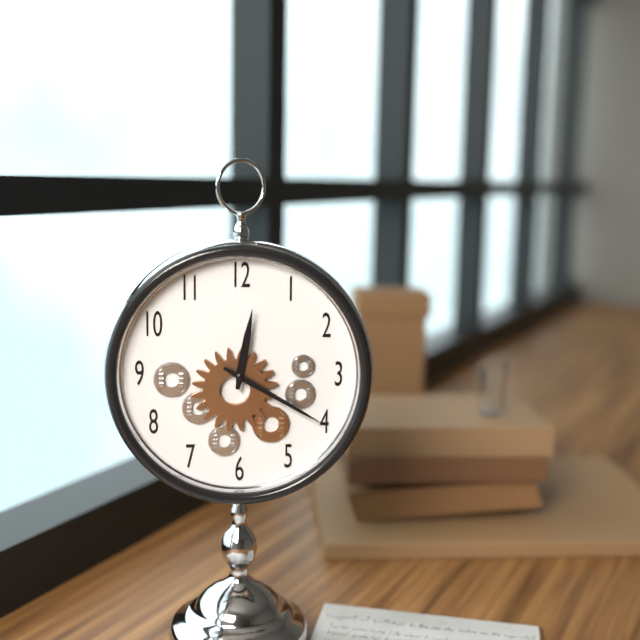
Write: 12:20
